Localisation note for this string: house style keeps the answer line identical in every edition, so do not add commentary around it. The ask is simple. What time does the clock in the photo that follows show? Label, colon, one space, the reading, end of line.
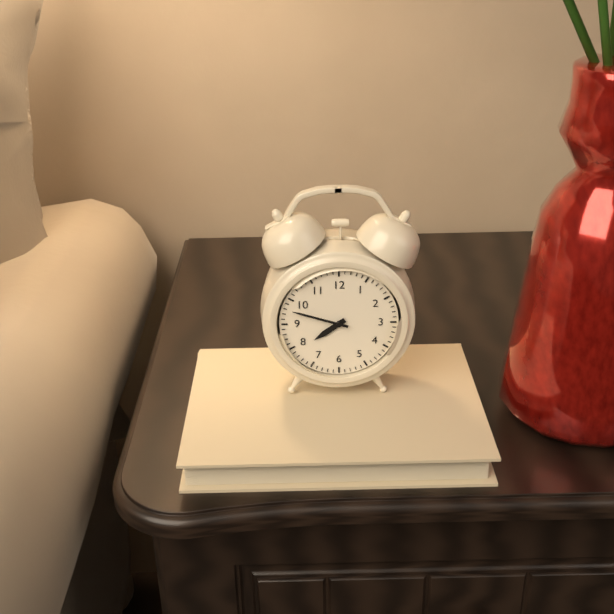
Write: 7:48
